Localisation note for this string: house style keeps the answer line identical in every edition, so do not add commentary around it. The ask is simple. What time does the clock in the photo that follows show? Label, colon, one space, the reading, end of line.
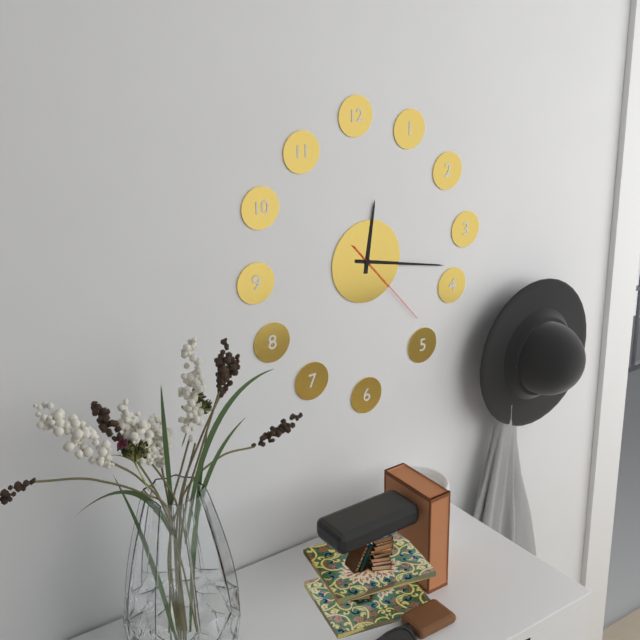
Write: 12:17:23
